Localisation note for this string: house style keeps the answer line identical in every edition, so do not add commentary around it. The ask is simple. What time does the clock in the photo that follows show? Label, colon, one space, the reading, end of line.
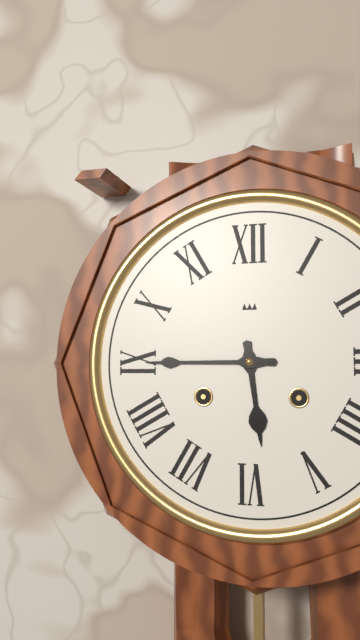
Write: 5:45
